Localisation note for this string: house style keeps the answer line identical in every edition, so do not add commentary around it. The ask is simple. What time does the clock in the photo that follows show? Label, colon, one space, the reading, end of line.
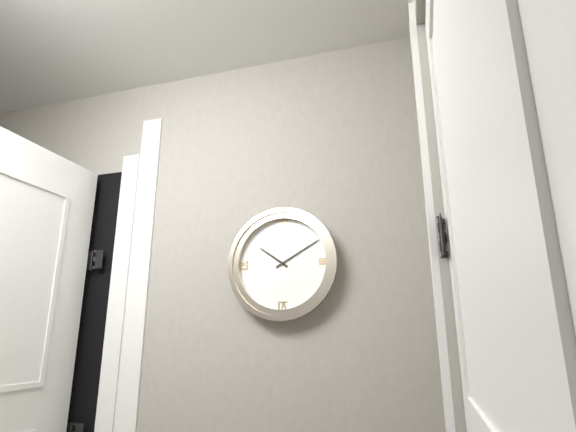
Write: 10:10
